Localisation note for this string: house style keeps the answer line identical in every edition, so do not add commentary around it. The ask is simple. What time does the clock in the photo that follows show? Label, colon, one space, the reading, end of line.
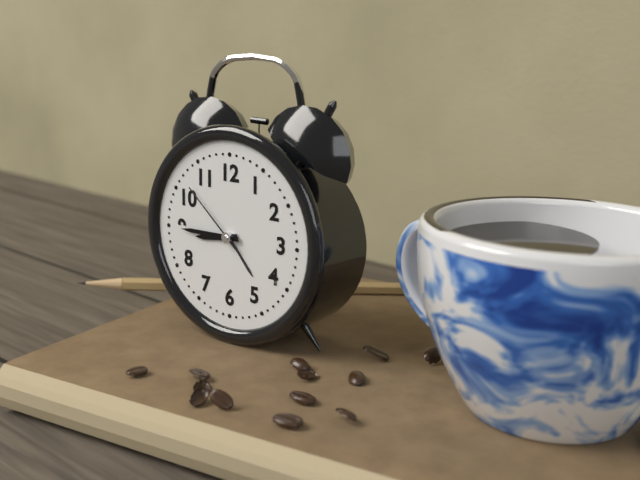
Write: 8:45:52
